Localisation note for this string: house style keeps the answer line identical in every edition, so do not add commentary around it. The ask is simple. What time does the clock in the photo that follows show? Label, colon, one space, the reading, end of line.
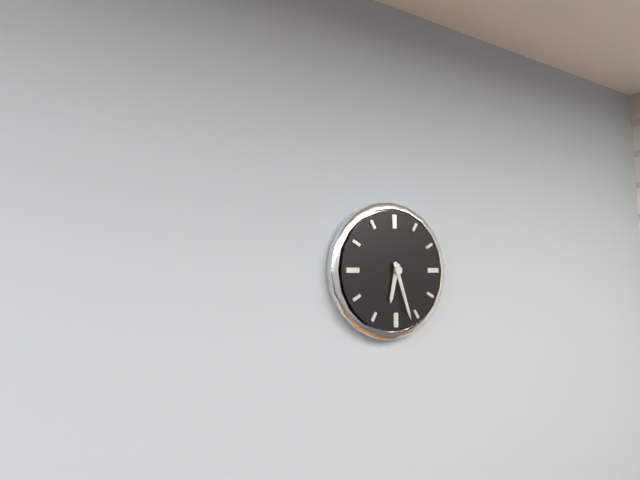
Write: 6:27
